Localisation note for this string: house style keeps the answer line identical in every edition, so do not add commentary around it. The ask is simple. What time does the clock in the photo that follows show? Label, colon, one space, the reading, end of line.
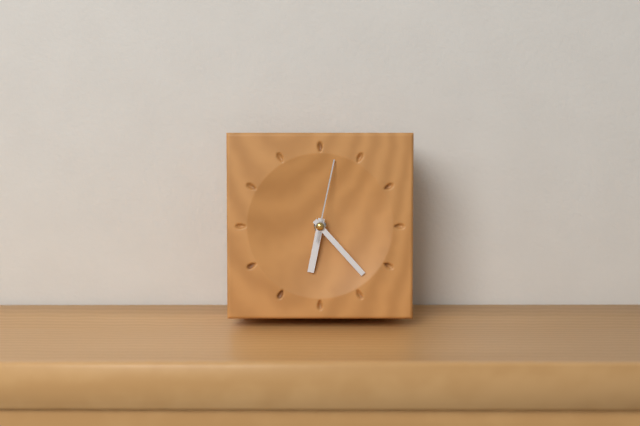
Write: 6:23:02
